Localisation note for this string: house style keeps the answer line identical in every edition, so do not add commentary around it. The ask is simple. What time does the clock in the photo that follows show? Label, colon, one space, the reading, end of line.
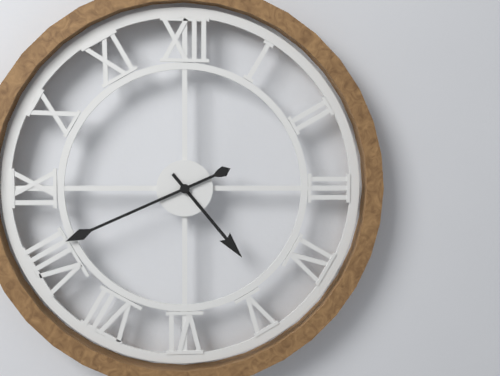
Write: 4:41
